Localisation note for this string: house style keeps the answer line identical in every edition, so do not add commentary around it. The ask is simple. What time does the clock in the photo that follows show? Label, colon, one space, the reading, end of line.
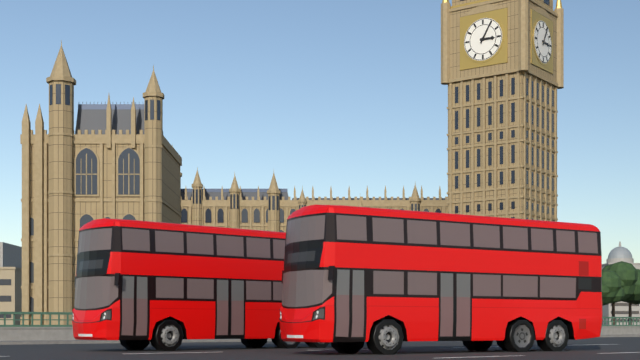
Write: 3:05
